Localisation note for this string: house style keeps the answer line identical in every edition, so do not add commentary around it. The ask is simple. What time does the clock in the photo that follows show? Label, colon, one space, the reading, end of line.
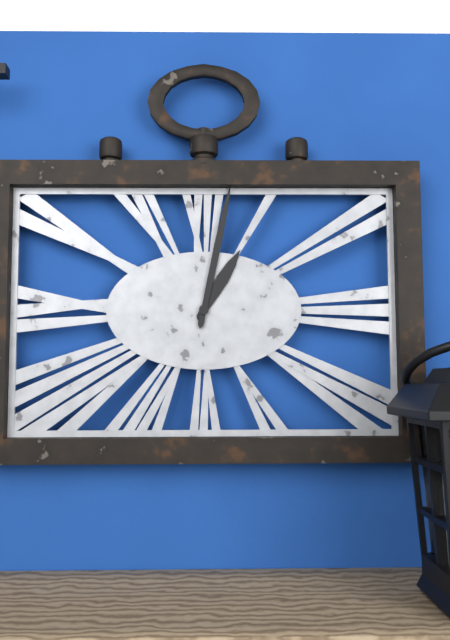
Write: 1:02
